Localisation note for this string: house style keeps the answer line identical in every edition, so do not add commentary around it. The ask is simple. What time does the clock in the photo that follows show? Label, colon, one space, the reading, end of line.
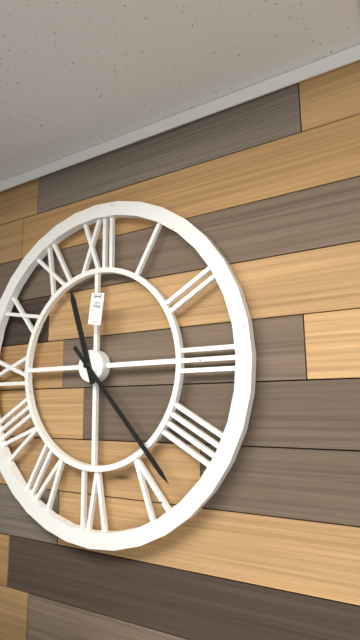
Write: 11:23
